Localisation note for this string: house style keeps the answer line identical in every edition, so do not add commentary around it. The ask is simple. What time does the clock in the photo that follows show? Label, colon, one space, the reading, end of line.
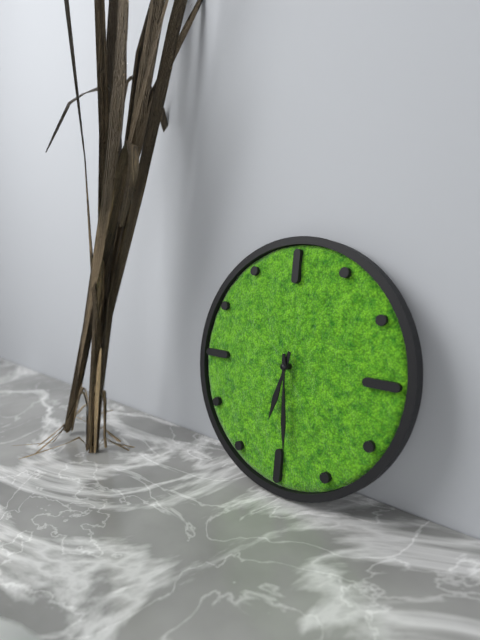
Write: 6:29
